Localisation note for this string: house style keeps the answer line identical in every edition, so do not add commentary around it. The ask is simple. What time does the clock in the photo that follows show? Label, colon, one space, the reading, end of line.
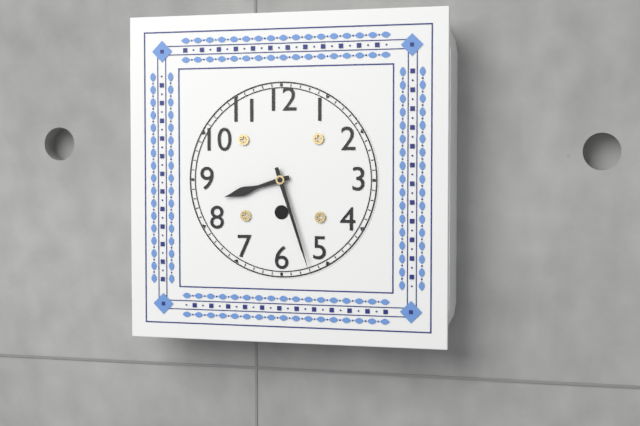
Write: 8:27
